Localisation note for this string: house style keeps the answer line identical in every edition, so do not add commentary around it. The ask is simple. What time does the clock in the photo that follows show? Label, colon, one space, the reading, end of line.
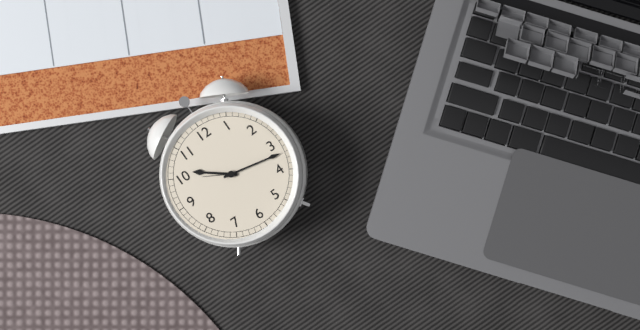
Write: 10:17
